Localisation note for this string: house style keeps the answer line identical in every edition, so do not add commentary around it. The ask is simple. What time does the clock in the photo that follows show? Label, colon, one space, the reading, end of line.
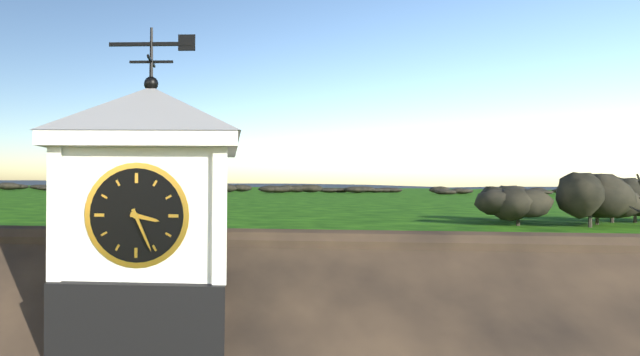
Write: 3:26
